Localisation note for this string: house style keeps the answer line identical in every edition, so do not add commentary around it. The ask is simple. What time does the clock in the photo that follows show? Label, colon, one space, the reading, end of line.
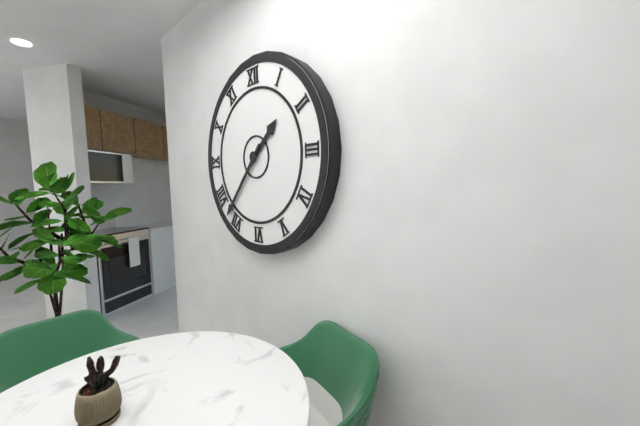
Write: 1:37
